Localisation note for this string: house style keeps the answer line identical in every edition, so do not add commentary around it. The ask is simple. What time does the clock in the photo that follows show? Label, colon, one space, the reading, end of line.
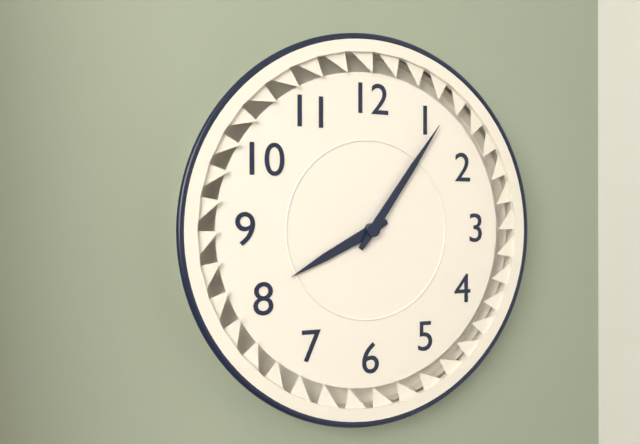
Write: 8:06
